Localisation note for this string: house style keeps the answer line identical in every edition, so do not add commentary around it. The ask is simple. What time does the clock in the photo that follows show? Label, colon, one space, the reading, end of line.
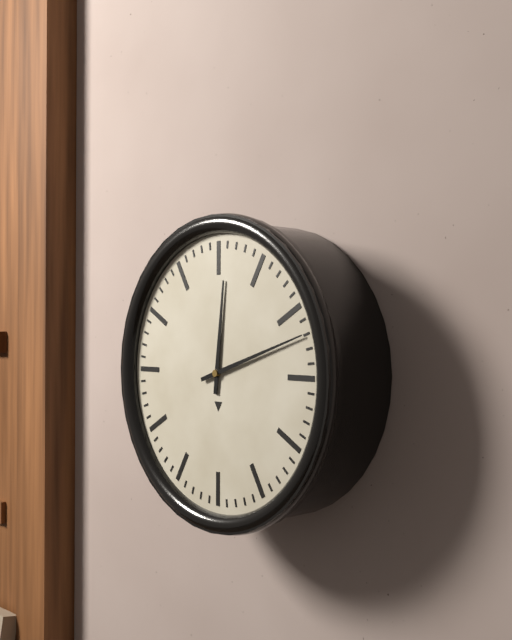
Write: 12:12
